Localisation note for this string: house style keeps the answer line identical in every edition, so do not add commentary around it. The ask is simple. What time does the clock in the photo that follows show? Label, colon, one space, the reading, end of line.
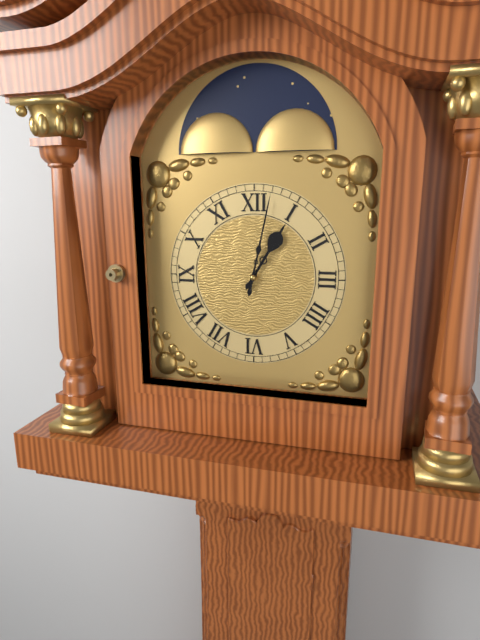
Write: 1:02
